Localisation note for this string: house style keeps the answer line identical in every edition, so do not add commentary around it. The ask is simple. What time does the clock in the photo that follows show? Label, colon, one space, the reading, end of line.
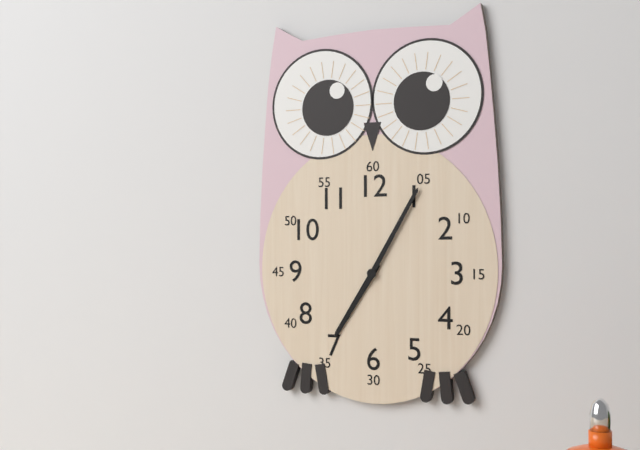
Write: 7:05
